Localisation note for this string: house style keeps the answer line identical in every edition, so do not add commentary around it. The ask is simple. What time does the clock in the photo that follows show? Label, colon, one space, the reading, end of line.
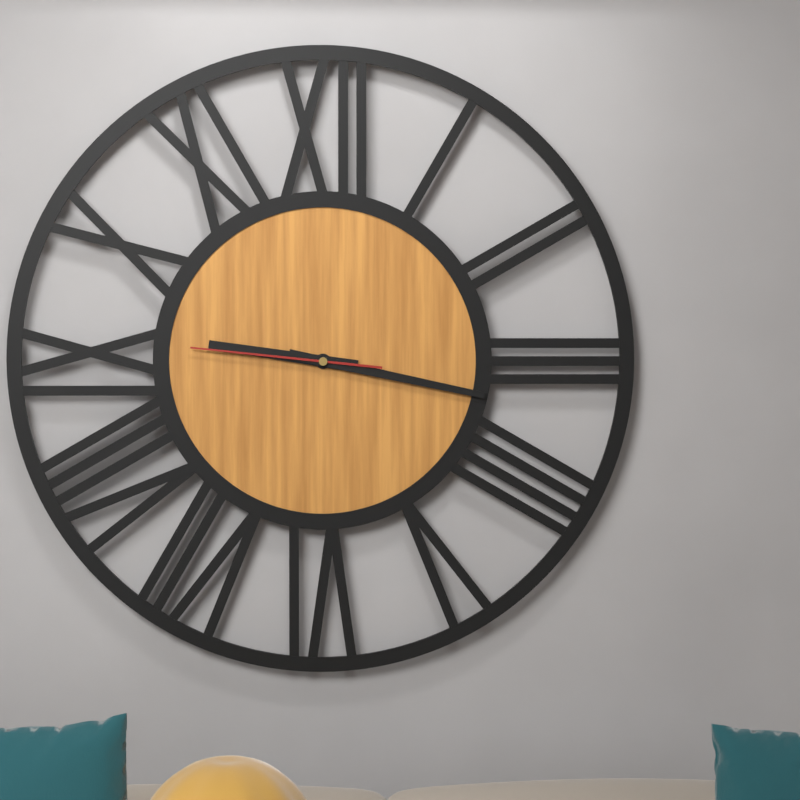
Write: 9:17:46
